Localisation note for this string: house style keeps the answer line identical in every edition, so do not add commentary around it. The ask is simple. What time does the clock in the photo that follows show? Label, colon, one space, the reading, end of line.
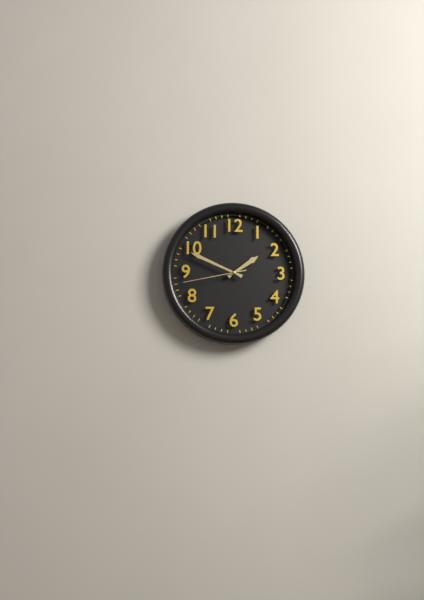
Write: 1:49:43
